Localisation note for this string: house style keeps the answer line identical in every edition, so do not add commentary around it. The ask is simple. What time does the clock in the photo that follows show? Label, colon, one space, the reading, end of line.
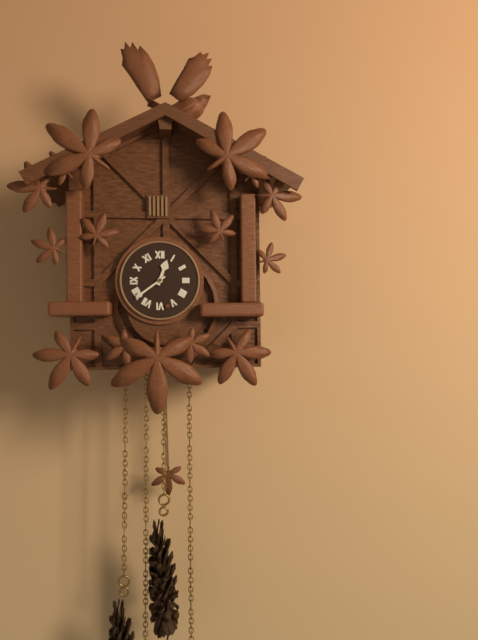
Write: 12:39
